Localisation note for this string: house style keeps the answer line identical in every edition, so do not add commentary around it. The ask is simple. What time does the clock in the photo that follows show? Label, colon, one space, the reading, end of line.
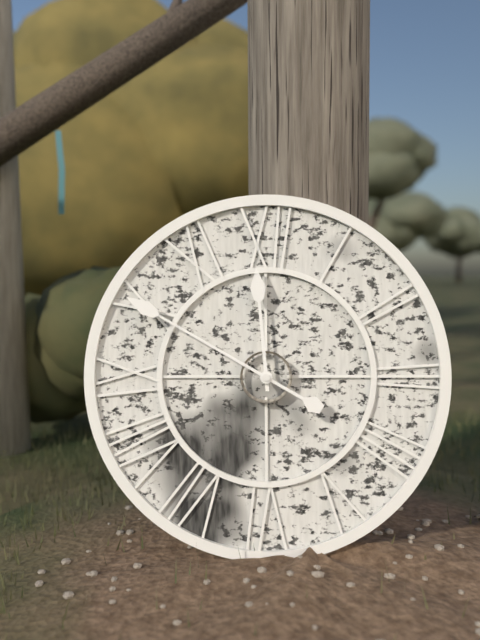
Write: 11:50
